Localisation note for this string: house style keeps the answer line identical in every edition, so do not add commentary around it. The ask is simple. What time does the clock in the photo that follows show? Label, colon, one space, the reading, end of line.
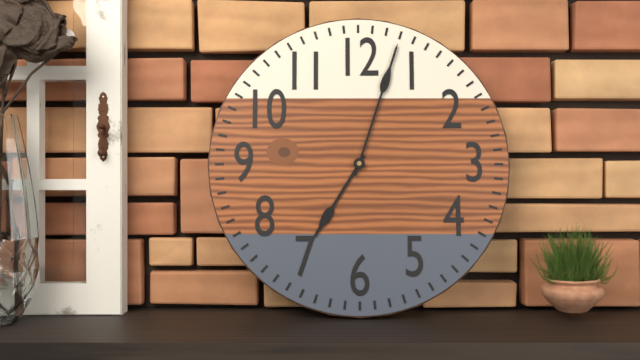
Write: 7:03
